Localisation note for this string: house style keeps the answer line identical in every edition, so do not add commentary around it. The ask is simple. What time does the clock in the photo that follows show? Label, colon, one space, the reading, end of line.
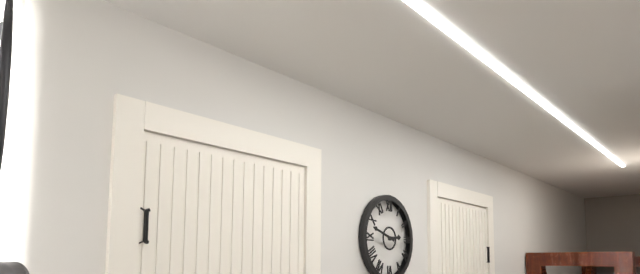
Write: 2:48
